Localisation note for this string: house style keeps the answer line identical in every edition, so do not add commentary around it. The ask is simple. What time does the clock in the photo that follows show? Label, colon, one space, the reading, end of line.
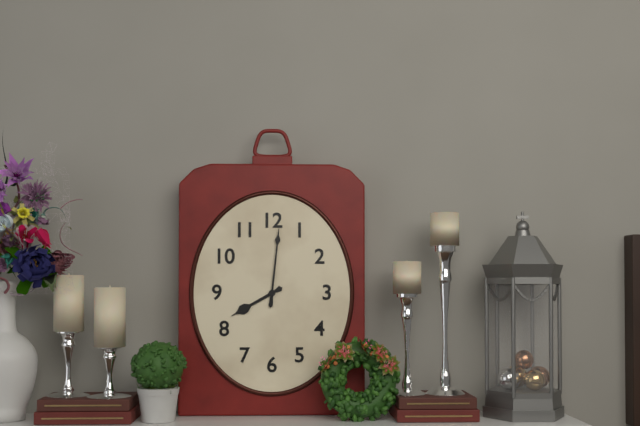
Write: 8:01
